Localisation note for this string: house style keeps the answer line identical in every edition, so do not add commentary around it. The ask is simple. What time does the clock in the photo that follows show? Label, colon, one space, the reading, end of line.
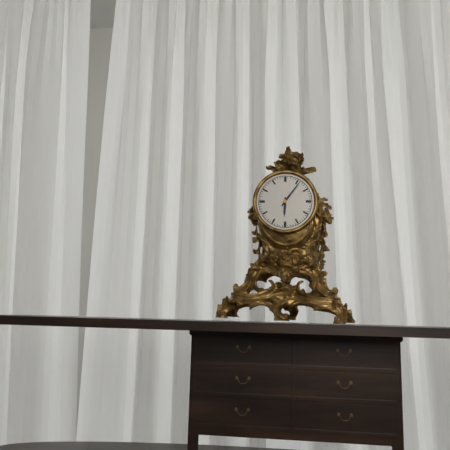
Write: 6:06
